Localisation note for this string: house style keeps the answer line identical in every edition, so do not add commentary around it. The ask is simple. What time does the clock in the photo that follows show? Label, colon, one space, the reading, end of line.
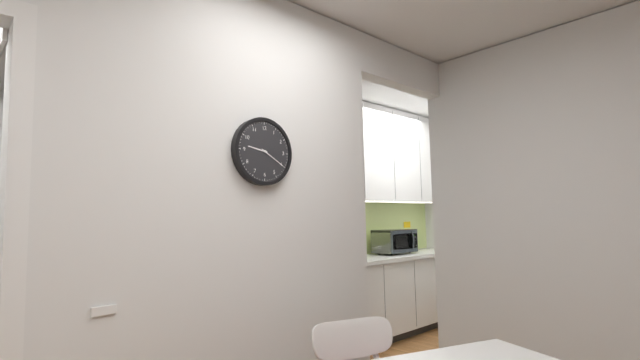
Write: 9:20
